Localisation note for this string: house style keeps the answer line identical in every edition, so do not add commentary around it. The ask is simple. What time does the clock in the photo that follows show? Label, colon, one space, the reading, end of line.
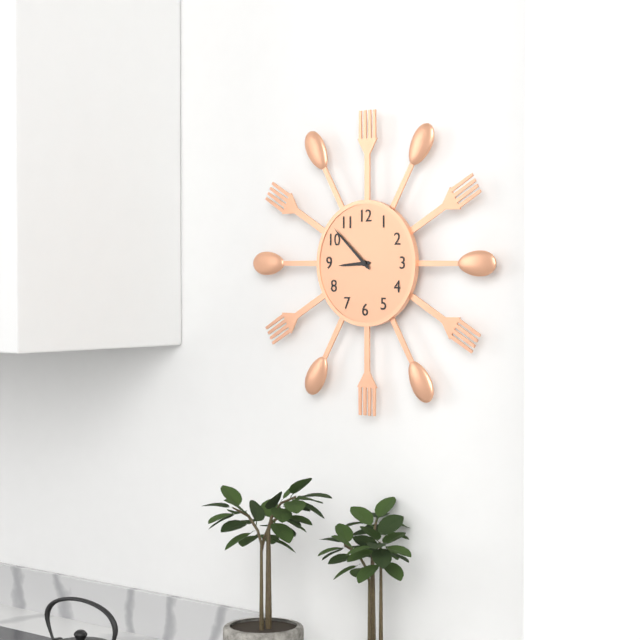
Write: 8:52
